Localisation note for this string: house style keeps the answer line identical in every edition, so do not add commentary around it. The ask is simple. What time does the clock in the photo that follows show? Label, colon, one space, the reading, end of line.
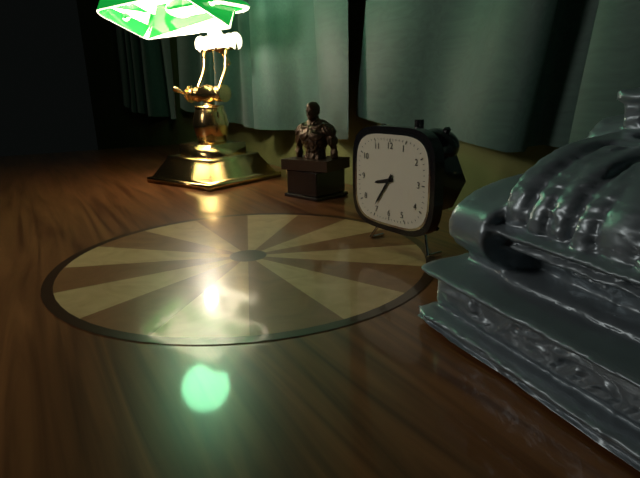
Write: 8:36
